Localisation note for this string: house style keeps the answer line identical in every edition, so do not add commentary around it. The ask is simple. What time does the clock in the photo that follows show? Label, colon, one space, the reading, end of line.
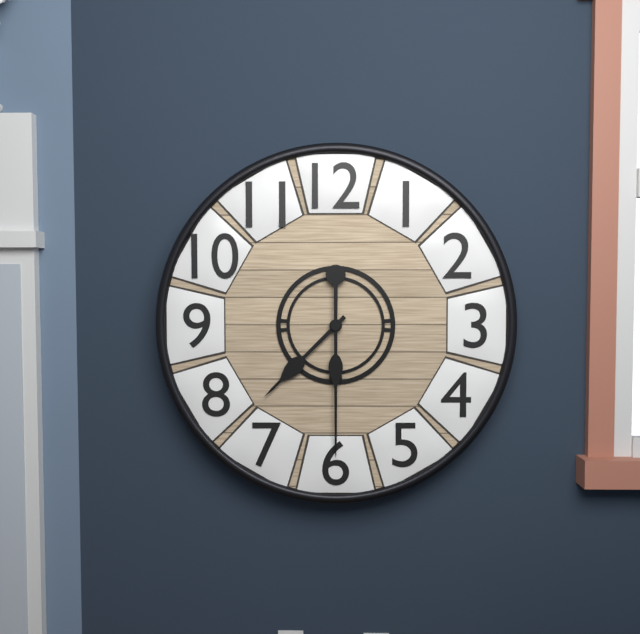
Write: 7:30
